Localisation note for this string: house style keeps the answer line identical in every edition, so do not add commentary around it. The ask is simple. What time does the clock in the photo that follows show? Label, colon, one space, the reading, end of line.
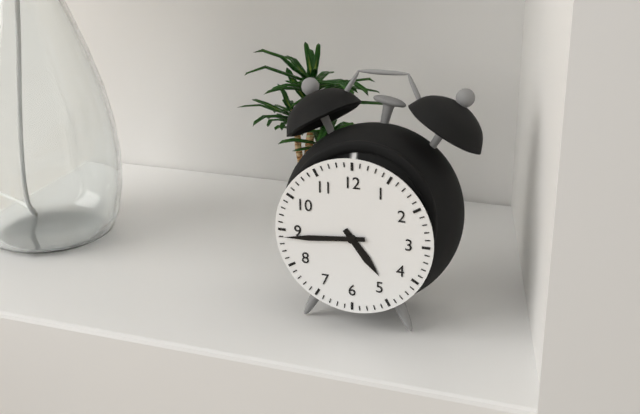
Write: 4:44
